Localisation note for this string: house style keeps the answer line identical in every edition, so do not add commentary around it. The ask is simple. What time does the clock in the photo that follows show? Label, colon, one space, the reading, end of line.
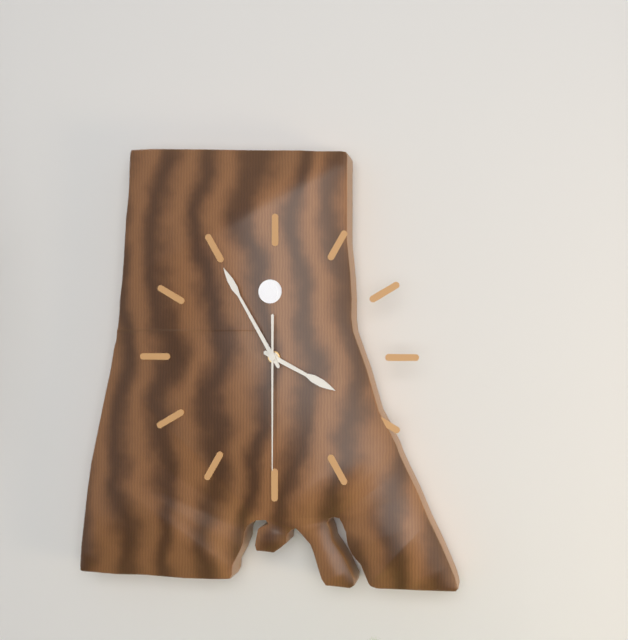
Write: 3:55:30
